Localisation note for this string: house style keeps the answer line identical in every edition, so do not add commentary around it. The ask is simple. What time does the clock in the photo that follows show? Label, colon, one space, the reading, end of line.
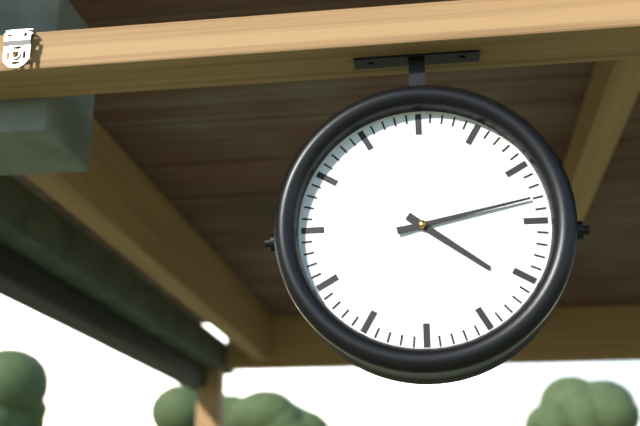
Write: 4:13
